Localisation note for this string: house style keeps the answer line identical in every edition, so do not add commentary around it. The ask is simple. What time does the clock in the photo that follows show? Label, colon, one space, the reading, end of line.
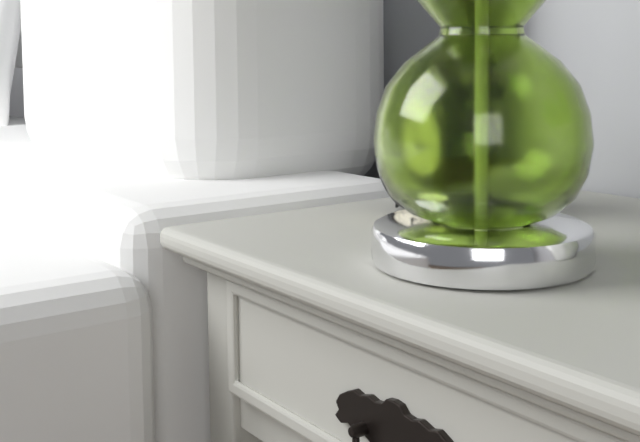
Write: 2:57
